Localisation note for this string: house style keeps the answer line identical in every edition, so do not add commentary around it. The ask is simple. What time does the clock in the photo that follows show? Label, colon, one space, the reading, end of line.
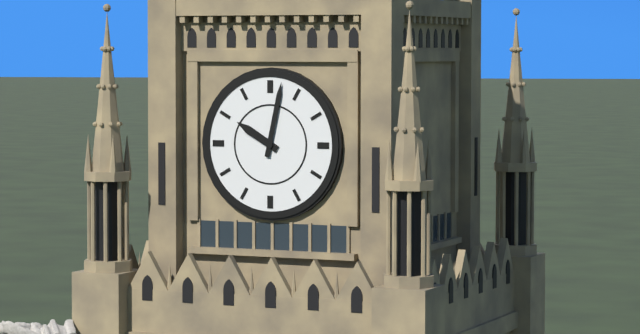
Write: 10:02
